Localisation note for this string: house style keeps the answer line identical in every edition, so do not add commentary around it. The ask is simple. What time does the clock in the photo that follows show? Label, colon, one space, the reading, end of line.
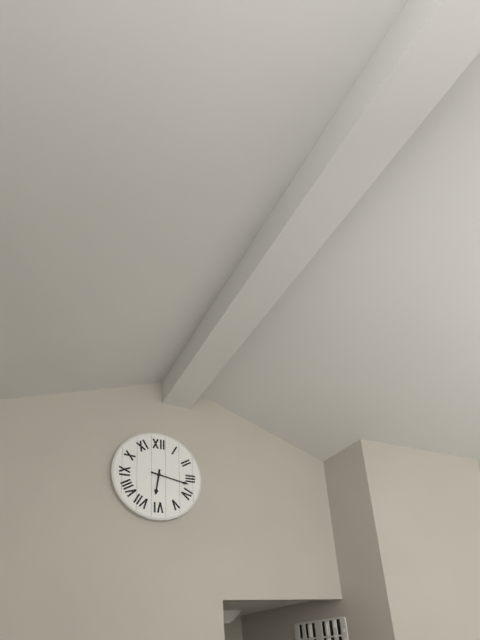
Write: 6:17
